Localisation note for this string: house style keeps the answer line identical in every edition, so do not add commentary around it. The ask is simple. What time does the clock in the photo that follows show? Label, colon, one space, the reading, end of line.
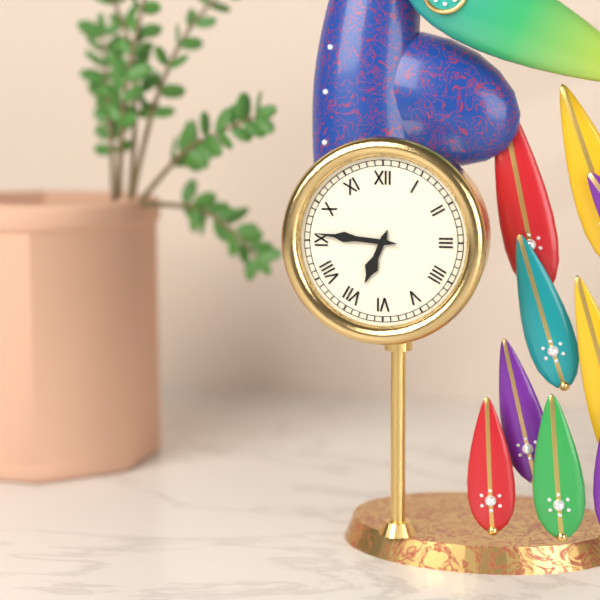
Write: 6:46
